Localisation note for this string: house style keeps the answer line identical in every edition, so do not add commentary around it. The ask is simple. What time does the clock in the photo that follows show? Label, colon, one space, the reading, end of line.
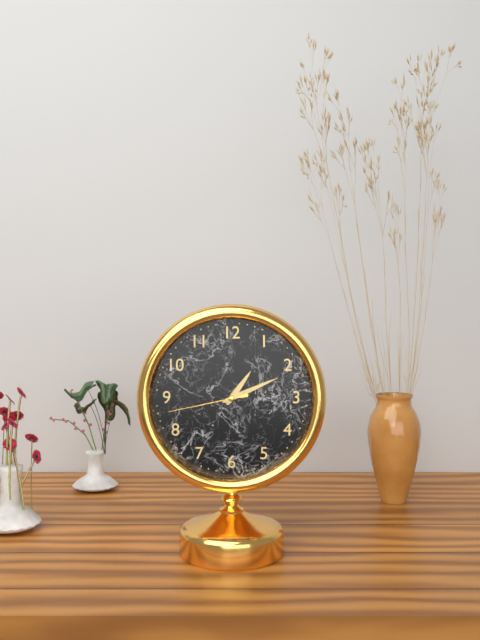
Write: 1:11:43
